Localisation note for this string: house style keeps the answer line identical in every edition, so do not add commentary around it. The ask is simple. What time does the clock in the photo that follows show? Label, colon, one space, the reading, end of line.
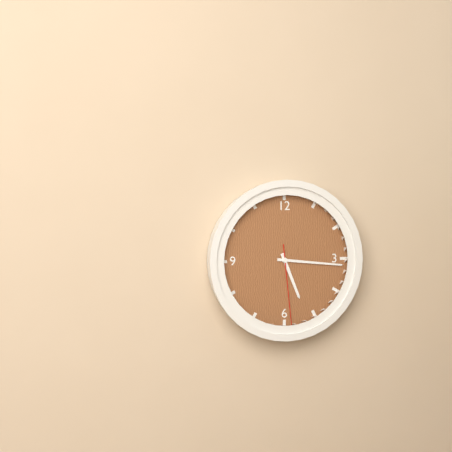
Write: 5:16:29
